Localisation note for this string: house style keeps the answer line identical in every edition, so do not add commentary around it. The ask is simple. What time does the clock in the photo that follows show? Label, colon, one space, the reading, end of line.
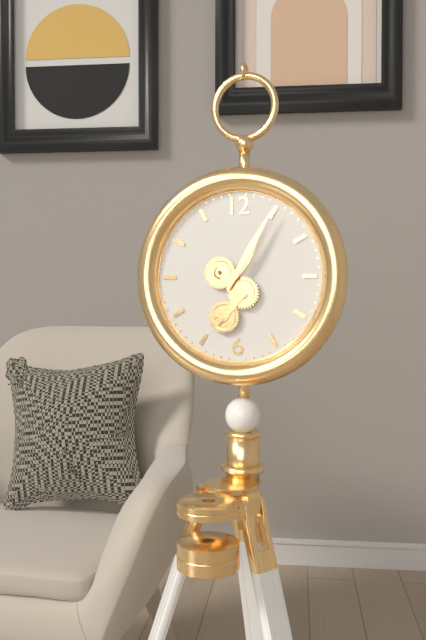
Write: 1:05
